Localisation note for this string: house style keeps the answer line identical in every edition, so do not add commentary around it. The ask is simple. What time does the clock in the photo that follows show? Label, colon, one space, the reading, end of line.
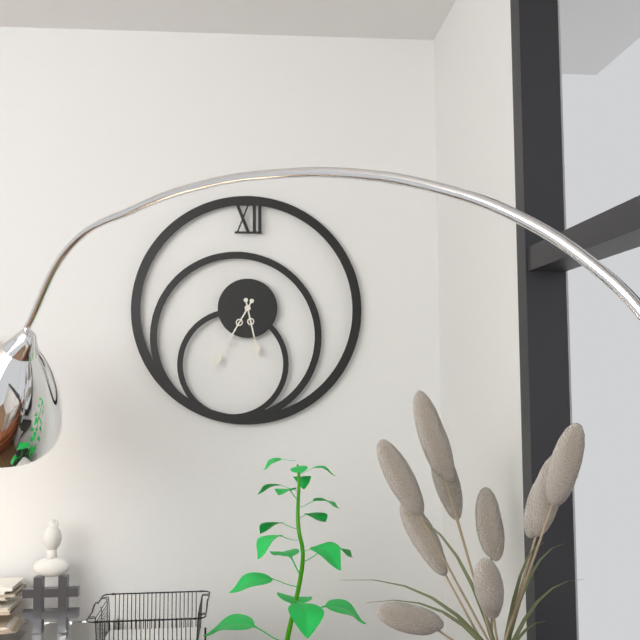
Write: 5:35
